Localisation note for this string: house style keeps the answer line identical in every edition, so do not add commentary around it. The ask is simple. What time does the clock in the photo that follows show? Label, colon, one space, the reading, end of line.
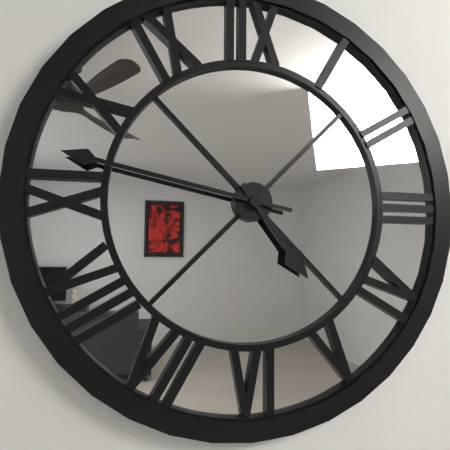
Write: 4:47
